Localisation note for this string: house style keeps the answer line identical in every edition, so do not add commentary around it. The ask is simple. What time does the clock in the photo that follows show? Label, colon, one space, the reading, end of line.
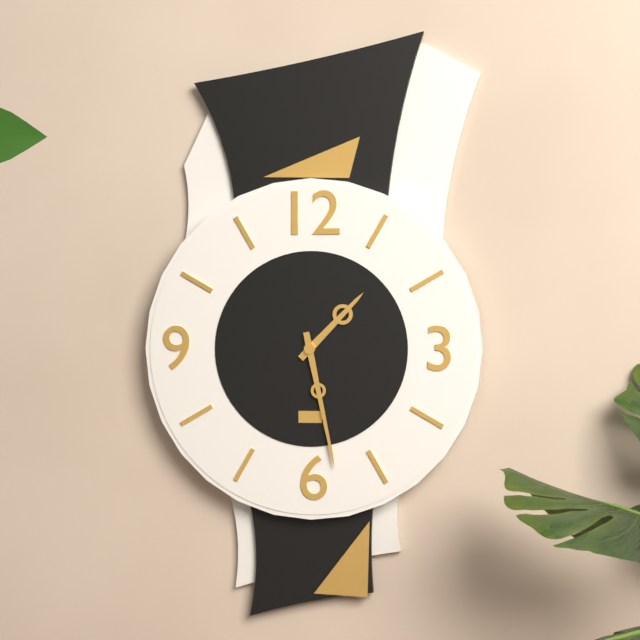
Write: 1:28
